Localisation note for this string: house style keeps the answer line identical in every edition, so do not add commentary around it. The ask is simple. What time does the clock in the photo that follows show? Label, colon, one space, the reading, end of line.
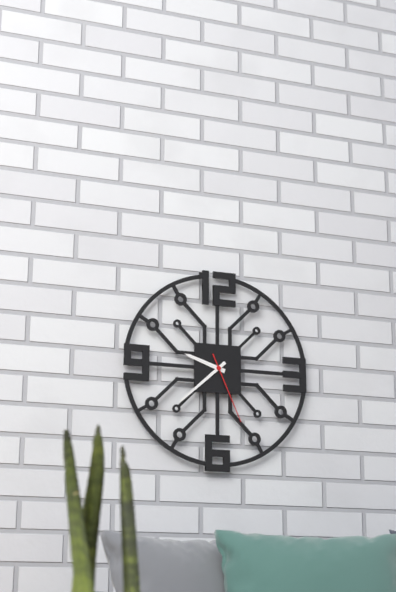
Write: 9:38:26
